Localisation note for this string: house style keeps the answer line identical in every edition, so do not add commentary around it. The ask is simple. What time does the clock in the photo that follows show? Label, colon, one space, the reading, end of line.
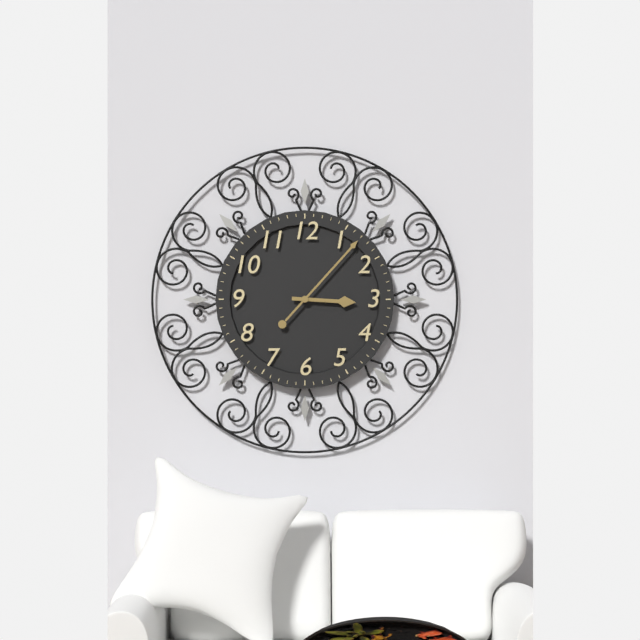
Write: 3:07
